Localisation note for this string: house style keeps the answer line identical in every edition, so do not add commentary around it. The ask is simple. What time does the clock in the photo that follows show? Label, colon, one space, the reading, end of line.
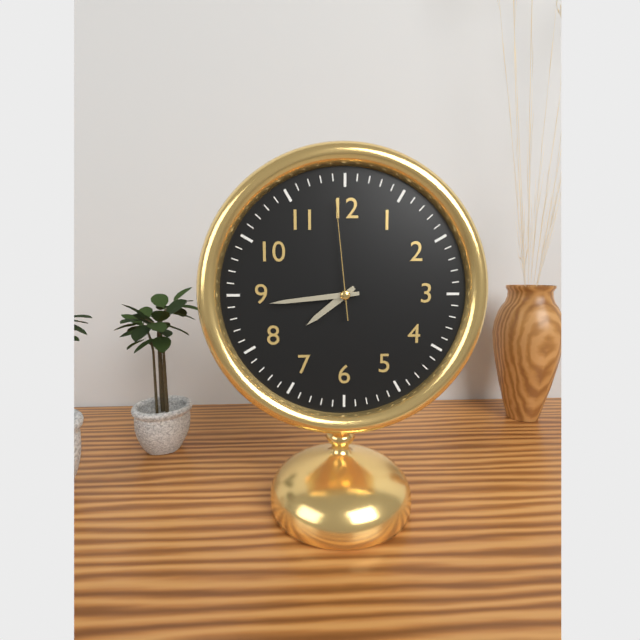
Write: 7:44:59
